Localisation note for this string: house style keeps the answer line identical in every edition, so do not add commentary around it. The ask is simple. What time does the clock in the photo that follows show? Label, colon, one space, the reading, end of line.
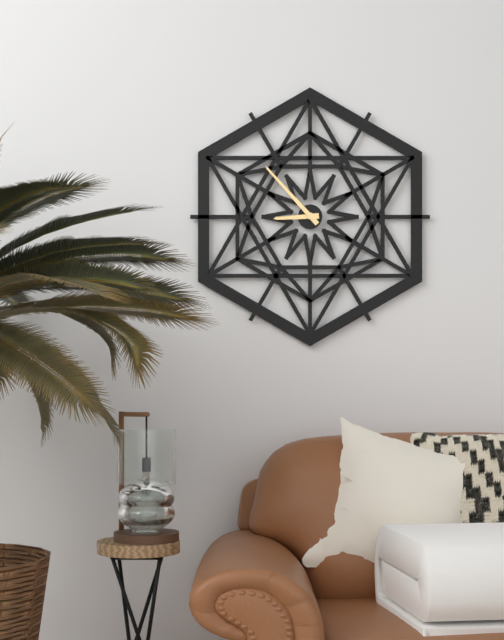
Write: 8:53
